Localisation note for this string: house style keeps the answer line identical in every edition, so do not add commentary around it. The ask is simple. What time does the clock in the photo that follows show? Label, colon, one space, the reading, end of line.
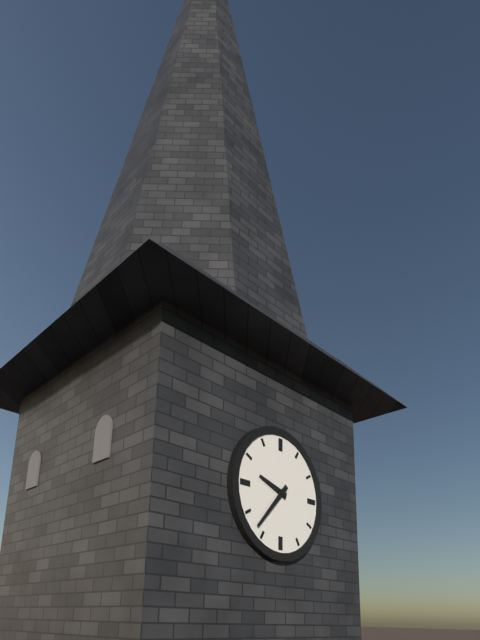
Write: 9:37
